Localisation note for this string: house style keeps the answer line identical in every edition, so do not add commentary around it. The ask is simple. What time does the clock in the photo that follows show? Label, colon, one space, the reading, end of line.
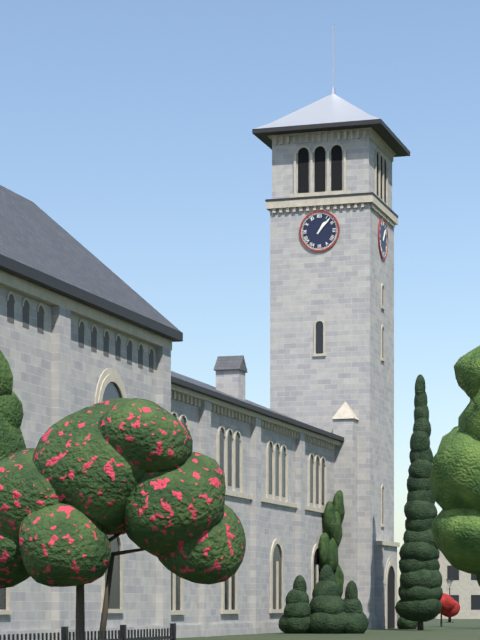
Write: 1:07
